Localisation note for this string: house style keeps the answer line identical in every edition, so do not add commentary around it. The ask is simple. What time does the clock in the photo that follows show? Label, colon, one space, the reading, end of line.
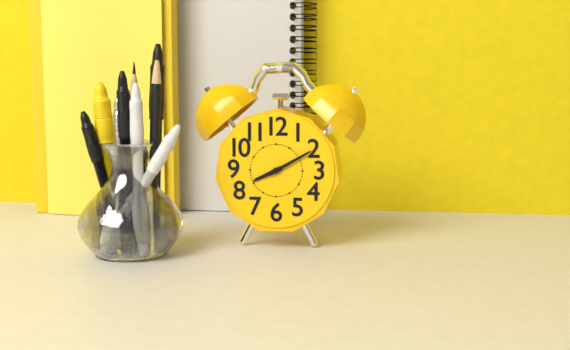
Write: 8:10
